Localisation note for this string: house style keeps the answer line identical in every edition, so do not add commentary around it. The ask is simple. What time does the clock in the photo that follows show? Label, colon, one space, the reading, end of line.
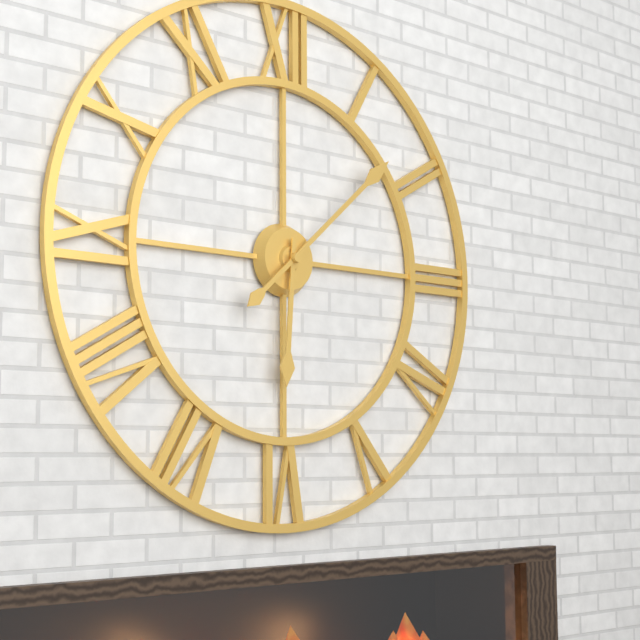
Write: 6:08
